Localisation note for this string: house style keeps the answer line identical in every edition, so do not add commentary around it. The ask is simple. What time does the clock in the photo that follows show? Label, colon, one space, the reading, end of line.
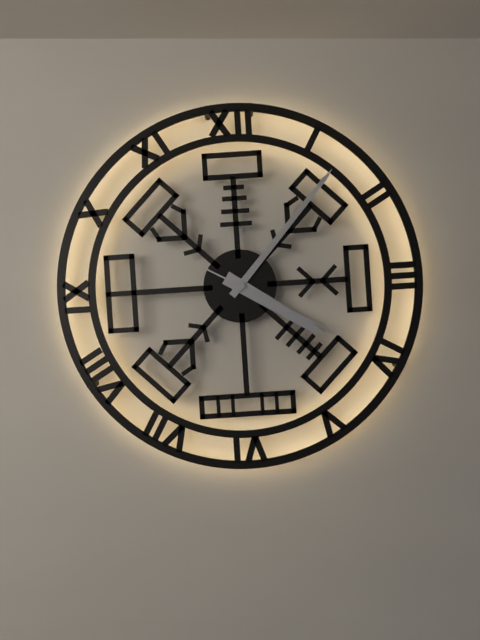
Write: 4:07:20
